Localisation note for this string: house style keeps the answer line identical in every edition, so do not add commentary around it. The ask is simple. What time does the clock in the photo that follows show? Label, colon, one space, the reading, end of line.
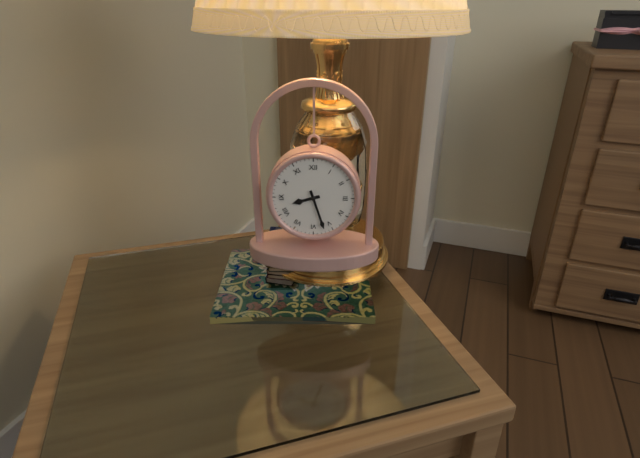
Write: 8:27
